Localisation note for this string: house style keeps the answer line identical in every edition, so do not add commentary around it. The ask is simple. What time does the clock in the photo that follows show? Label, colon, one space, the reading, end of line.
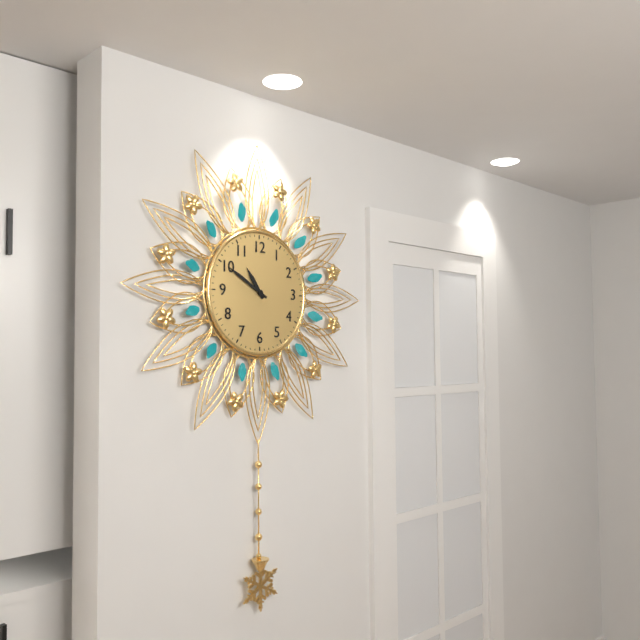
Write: 10:50
